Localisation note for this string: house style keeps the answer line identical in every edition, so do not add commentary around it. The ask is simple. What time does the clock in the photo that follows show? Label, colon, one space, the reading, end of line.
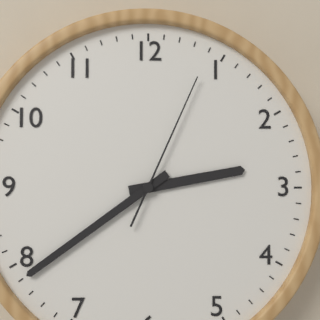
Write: 2:39:04
